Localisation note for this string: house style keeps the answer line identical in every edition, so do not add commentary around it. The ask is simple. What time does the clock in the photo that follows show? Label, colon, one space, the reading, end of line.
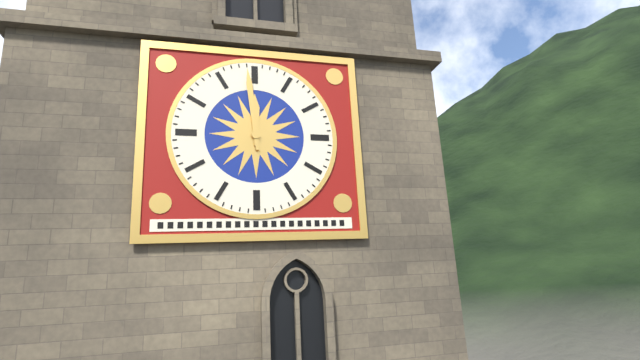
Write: 11:59
